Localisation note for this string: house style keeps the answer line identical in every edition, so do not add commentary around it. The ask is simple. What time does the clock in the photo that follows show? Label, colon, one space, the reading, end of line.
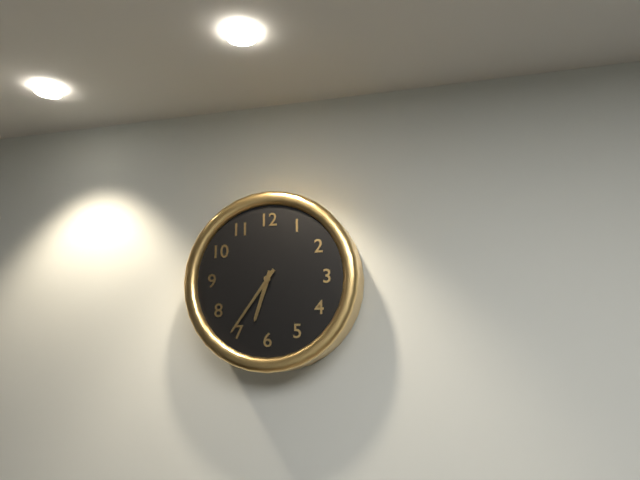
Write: 6:36
